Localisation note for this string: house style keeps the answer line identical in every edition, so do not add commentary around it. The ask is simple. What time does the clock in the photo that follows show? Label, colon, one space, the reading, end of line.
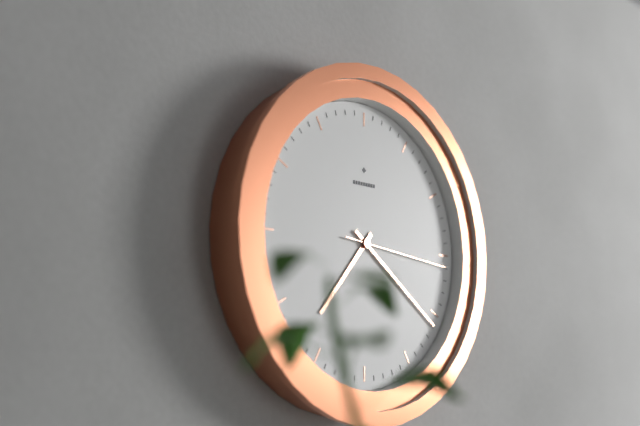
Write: 7:21:16
